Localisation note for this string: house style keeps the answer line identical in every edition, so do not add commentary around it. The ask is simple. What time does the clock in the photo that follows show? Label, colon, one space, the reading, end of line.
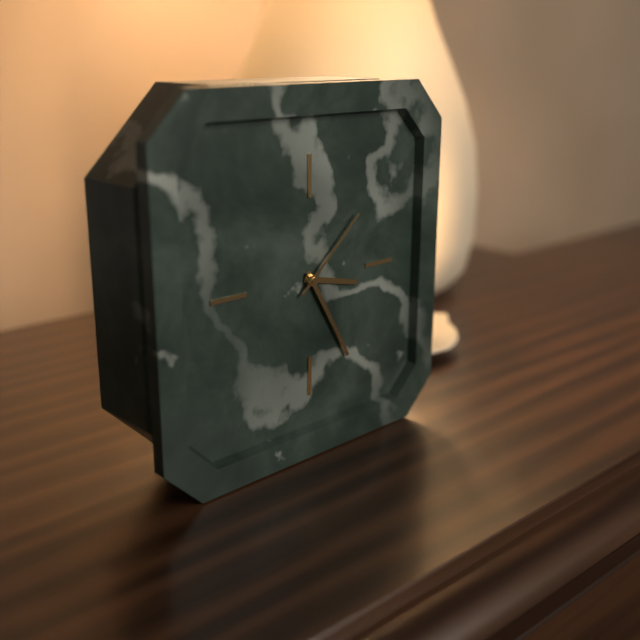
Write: 3:25:08
